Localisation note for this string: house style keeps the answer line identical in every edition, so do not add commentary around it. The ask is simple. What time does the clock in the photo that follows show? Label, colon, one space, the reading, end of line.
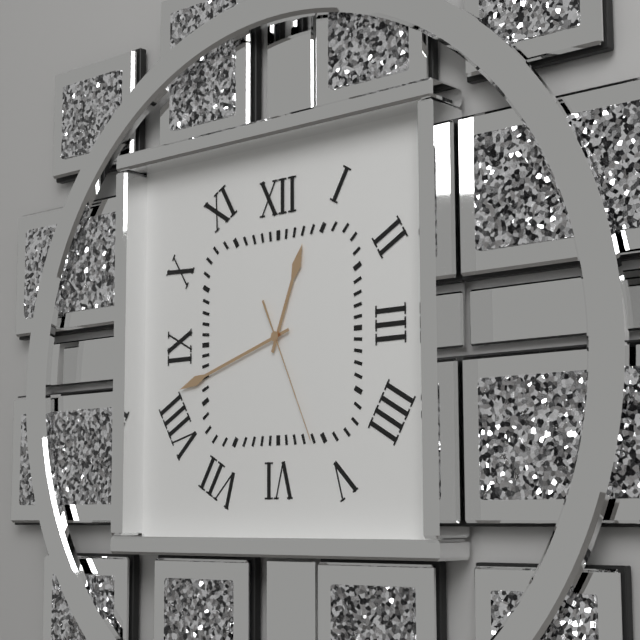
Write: 12:42:26
